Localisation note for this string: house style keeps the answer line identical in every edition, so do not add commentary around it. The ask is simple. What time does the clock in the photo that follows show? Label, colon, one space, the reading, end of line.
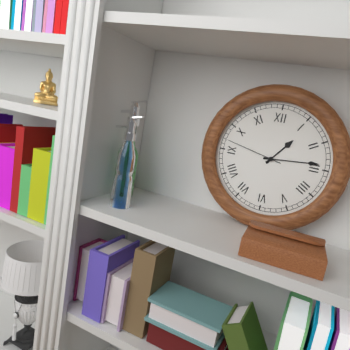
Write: 1:14:47
